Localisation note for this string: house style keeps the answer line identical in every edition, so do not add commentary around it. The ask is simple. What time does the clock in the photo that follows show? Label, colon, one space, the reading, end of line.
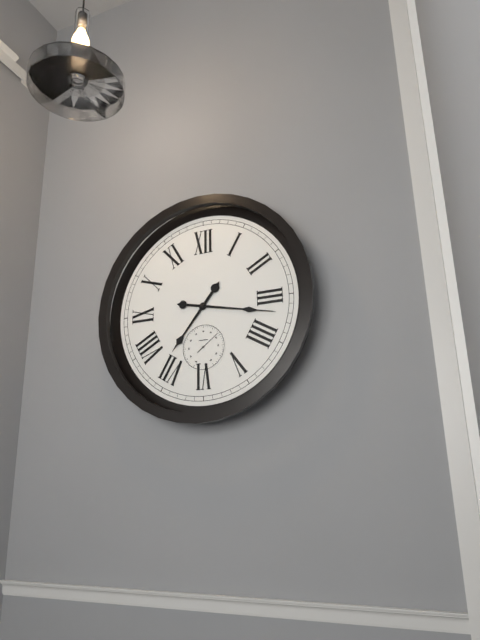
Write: 7:17
